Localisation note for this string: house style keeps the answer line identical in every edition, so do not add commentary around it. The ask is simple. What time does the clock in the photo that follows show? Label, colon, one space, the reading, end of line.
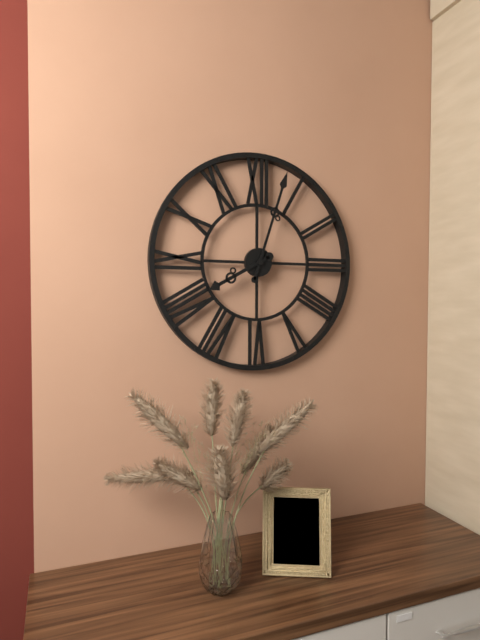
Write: 8:03
